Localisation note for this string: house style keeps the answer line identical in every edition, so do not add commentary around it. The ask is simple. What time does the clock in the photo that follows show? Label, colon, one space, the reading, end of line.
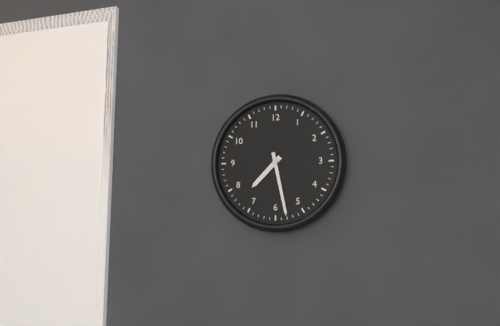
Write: 7:28
